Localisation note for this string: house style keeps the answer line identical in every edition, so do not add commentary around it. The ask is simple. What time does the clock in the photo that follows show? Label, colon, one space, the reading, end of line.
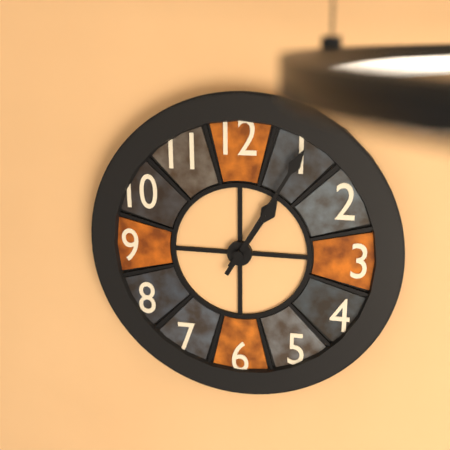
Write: 1:05
